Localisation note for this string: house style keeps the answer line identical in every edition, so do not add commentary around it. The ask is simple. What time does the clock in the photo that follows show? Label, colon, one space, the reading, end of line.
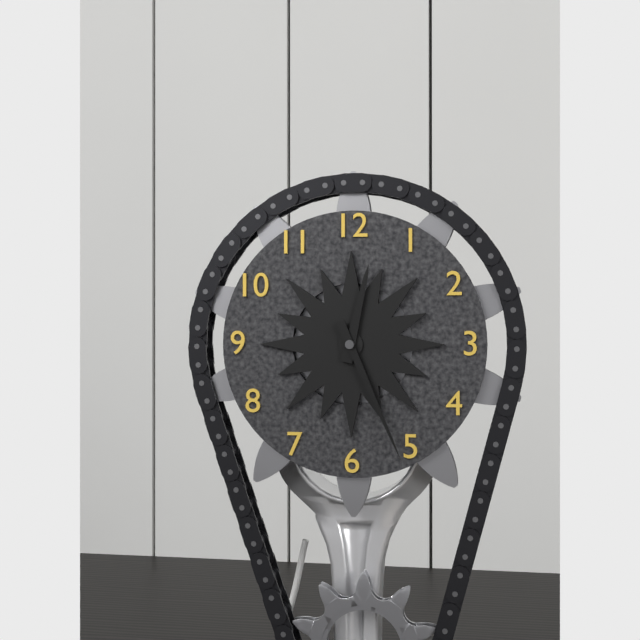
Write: 12:26
